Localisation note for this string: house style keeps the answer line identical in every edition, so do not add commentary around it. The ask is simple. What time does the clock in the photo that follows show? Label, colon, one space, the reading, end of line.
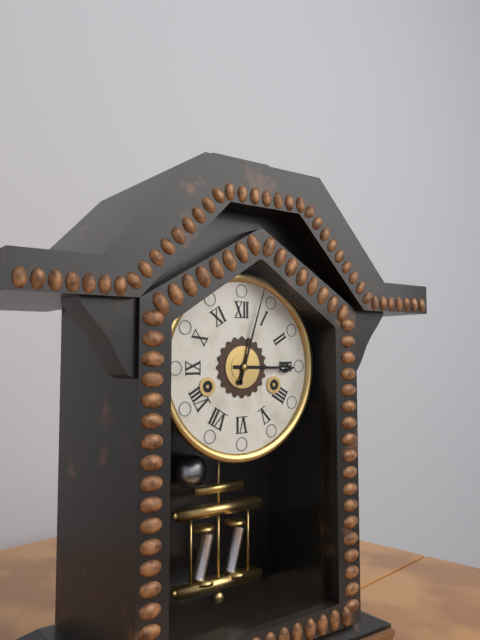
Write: 3:03
